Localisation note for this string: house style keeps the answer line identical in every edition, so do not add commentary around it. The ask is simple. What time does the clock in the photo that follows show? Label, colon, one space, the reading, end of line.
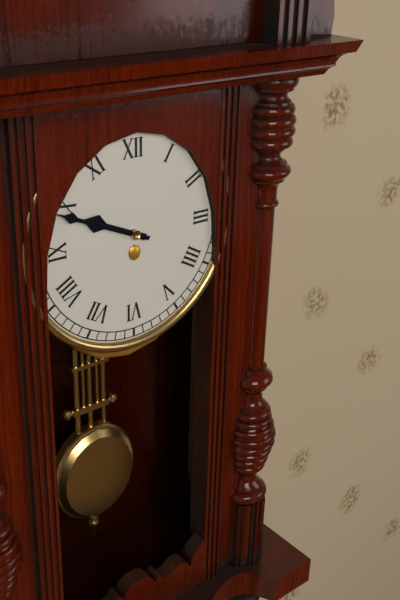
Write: 9:49
